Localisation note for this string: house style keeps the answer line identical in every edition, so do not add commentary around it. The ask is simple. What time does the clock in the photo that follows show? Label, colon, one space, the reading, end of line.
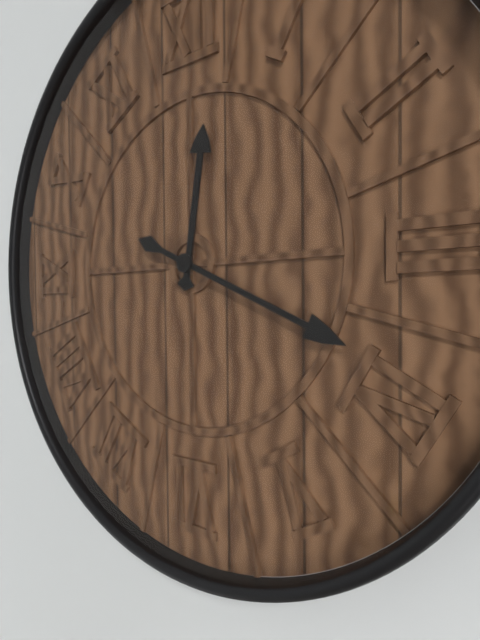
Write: 12:19
